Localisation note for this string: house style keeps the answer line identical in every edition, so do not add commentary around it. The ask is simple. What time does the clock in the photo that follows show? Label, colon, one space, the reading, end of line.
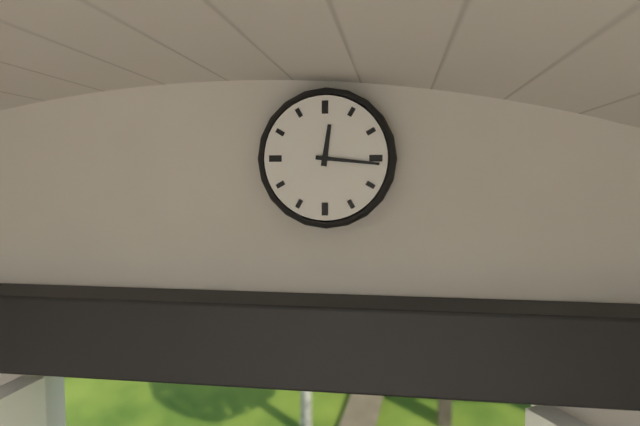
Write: 12:16
